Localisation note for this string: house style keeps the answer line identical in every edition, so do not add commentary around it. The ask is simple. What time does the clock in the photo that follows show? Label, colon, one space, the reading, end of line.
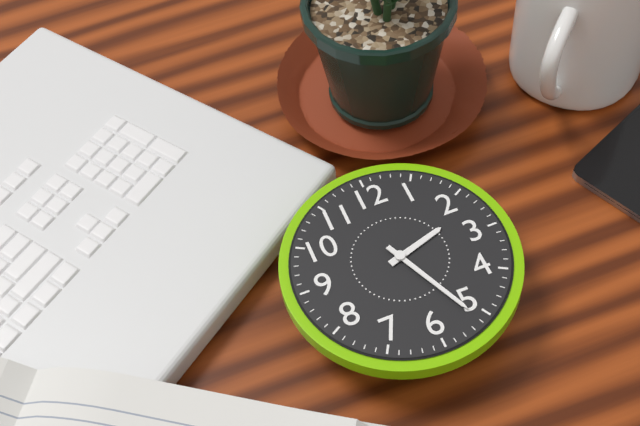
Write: 2:26
